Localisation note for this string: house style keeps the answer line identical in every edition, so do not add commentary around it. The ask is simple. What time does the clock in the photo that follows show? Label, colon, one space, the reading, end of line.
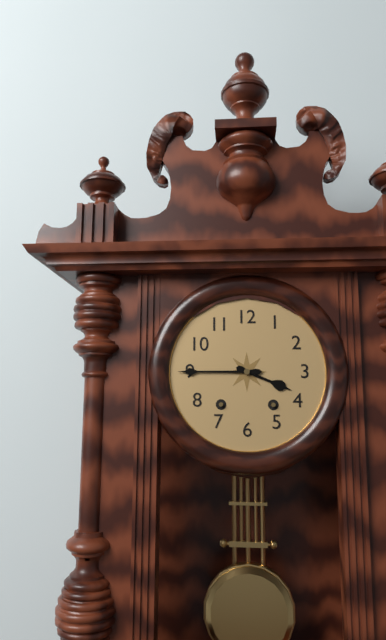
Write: 3:45
